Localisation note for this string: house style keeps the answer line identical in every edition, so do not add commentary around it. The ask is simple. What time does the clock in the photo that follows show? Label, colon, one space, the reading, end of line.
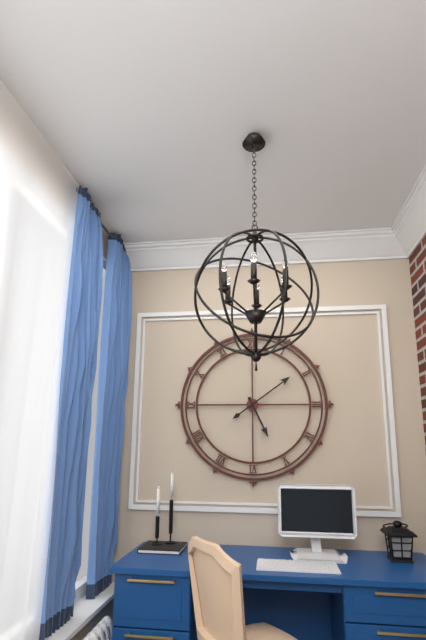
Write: 5:09
